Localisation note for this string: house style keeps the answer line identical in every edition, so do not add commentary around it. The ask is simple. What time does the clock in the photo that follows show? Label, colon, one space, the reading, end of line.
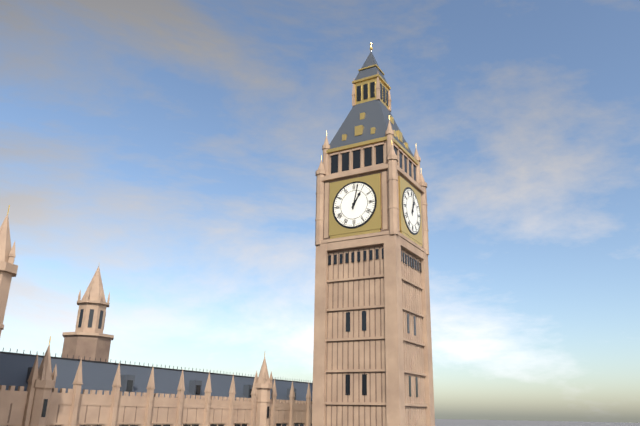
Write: 1:02
